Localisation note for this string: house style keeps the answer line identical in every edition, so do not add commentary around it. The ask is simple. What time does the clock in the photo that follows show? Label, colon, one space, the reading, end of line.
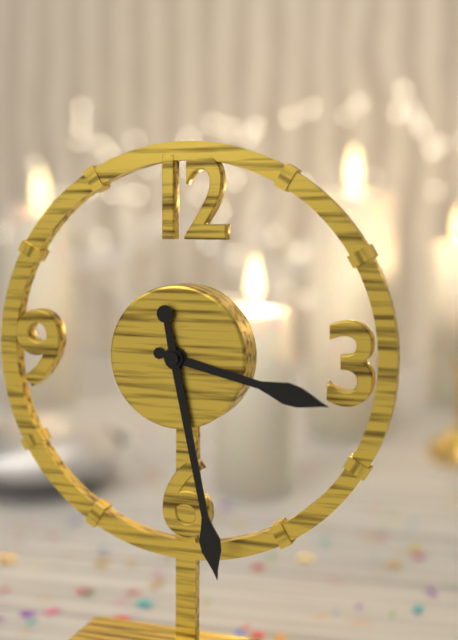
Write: 3:28
